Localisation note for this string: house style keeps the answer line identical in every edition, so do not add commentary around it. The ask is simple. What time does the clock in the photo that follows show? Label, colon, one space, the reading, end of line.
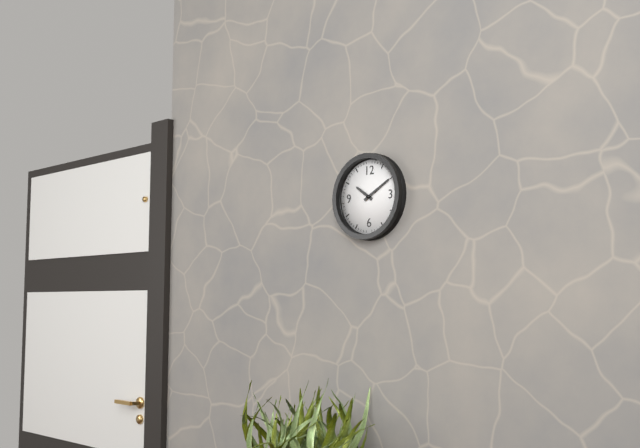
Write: 10:10
